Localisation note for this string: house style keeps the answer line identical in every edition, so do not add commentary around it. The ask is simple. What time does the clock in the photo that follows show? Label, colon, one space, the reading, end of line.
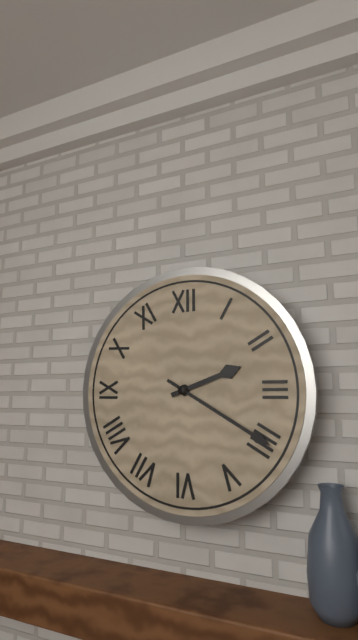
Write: 2:20
